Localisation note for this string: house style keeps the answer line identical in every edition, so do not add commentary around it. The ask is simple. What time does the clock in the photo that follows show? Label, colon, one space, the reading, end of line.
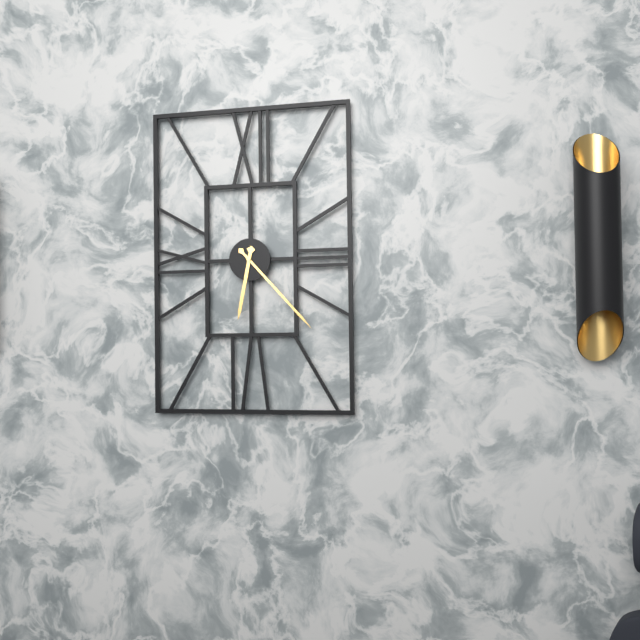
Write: 6:23
